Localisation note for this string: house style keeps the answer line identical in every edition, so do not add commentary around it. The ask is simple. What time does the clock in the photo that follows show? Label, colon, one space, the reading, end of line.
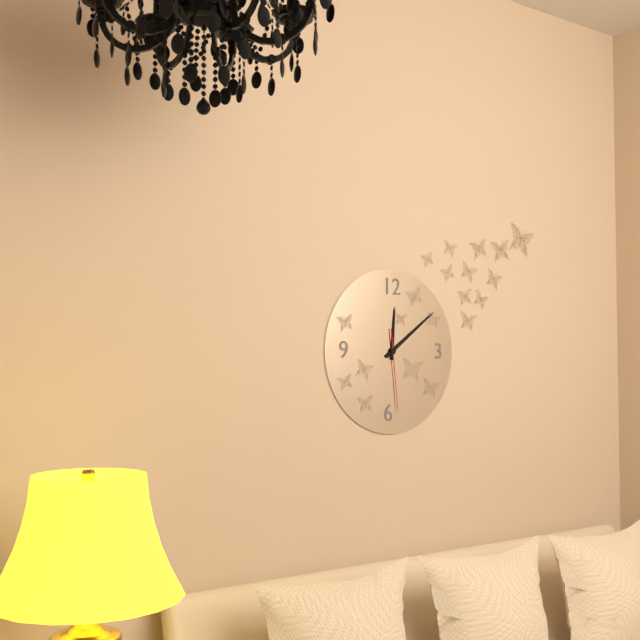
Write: 12:09:29
